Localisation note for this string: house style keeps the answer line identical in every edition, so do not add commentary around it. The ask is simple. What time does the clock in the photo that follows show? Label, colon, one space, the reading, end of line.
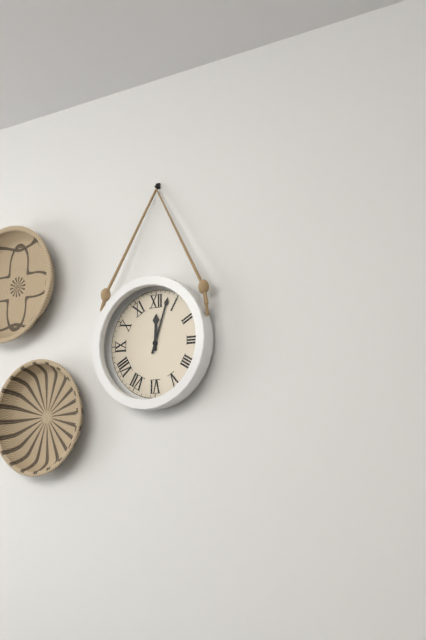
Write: 12:03
